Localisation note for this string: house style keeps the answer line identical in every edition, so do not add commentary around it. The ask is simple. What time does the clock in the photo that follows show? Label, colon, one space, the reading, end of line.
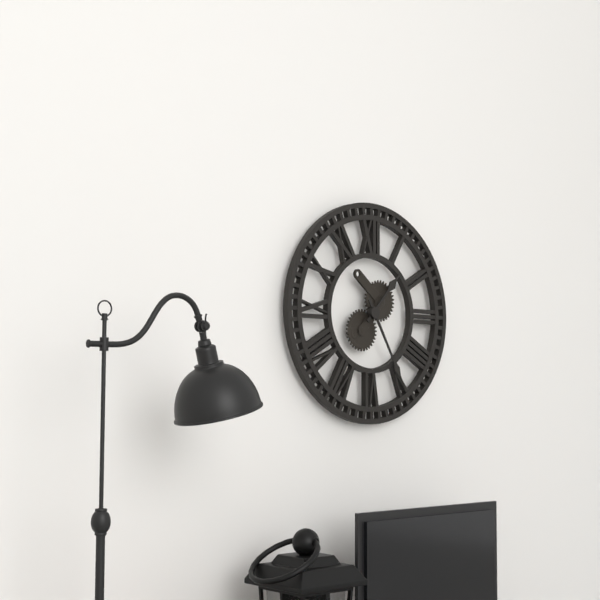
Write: 1:25
